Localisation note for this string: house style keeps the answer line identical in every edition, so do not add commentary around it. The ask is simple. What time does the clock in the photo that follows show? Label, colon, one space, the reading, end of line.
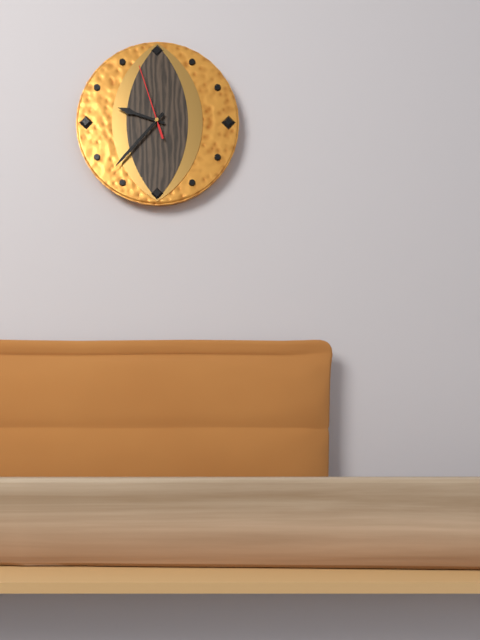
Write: 9:37:57
